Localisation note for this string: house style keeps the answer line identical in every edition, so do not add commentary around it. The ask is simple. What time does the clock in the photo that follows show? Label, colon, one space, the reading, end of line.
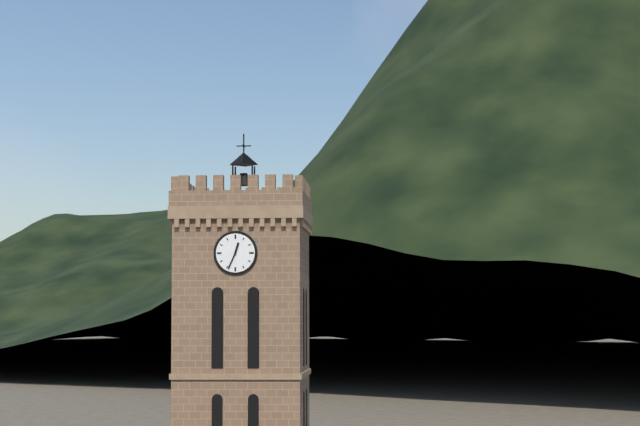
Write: 12:34
